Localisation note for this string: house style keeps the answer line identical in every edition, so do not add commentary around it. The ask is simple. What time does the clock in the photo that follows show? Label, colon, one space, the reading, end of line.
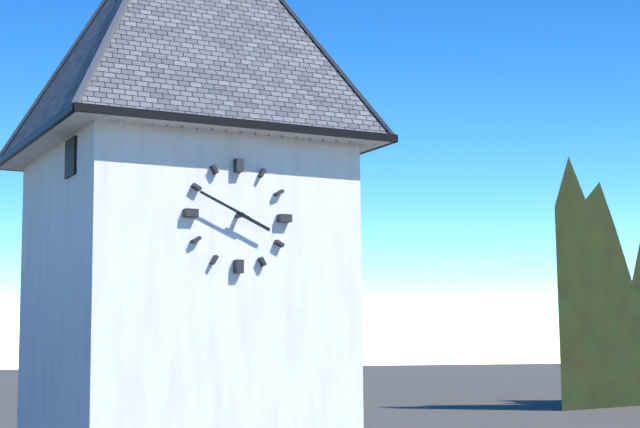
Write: 3:49
